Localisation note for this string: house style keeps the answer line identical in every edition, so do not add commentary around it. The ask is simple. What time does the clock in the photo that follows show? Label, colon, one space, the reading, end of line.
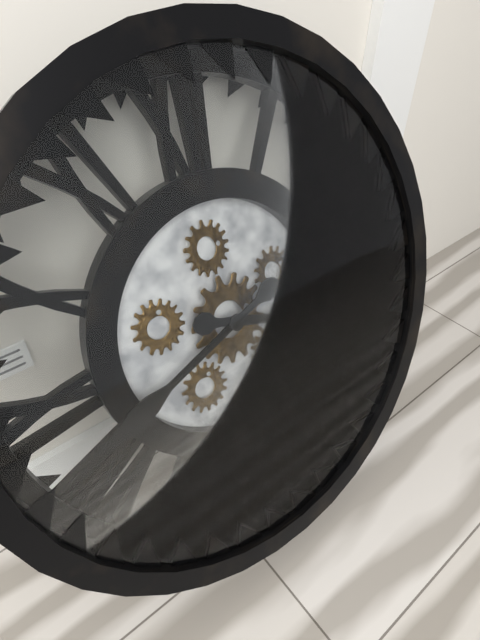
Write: 3:42
